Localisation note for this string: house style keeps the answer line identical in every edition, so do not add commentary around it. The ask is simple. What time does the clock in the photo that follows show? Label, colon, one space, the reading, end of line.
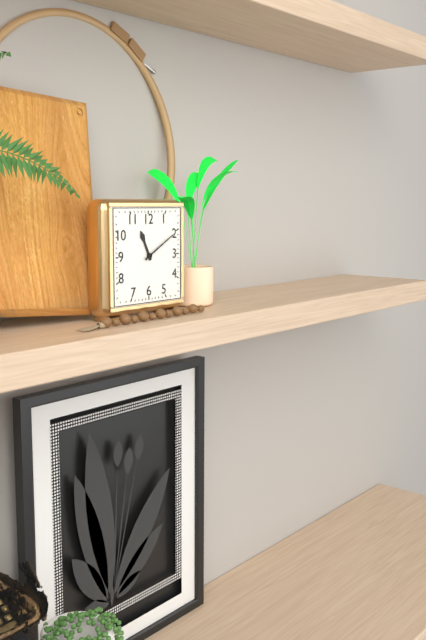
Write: 11:10
